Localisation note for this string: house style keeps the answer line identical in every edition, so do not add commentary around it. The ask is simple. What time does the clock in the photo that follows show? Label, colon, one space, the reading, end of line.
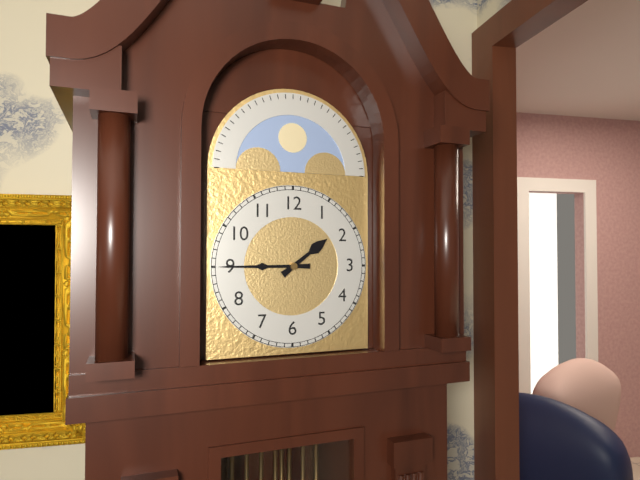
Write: 1:45
